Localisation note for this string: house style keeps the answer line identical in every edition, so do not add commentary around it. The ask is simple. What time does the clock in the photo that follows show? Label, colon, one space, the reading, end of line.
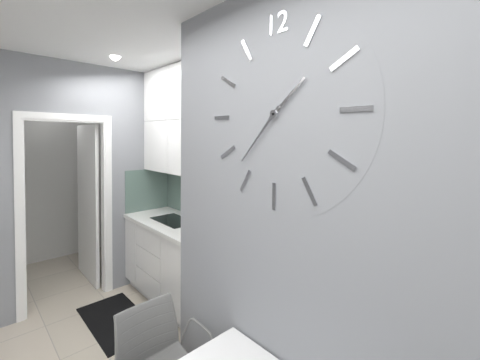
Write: 1:37
